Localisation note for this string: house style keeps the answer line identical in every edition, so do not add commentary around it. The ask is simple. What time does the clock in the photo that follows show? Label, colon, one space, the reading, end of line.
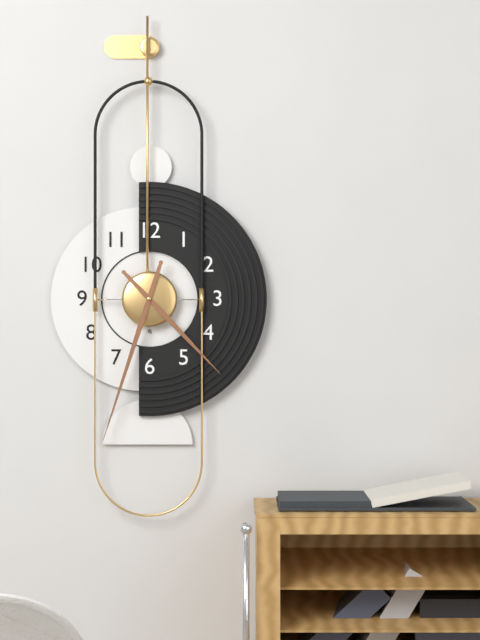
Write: 4:33
